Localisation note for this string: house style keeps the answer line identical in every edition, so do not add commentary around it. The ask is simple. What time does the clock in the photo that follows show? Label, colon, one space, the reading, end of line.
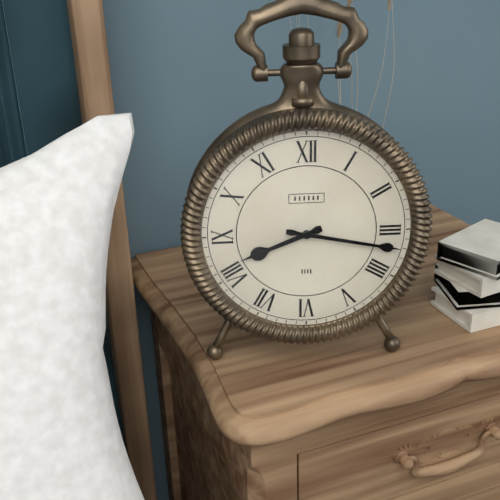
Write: 8:17
